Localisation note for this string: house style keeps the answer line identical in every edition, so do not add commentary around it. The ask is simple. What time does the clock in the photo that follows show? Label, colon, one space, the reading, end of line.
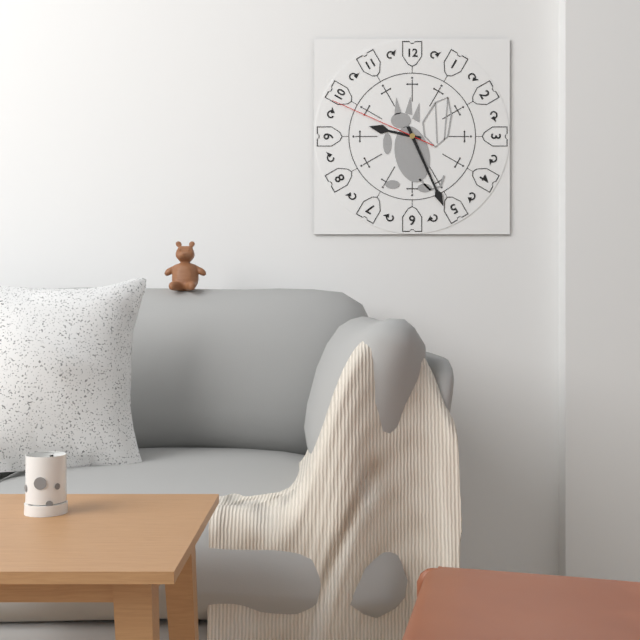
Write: 9:26:49
